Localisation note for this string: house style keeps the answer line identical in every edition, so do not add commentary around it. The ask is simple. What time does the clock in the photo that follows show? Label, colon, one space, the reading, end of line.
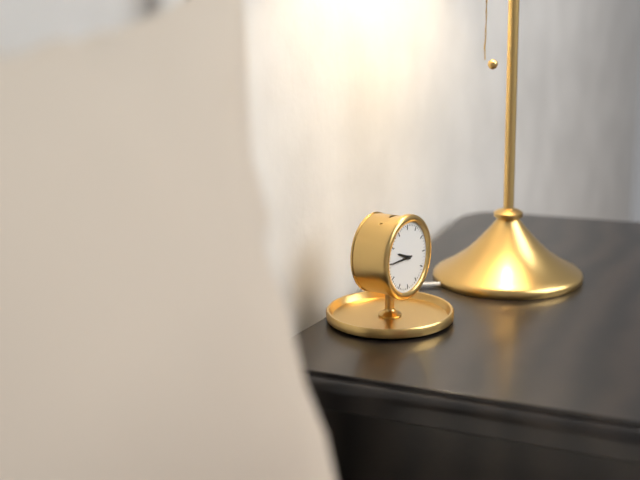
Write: 9:45
